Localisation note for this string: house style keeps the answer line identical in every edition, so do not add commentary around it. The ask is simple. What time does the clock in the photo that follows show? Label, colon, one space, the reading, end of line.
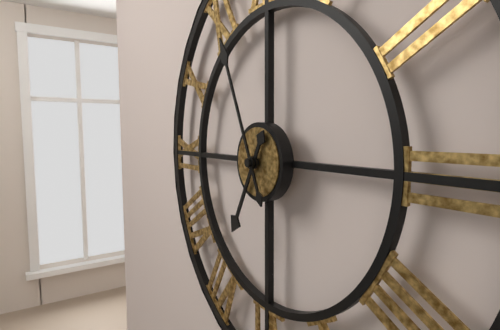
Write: 6:56
